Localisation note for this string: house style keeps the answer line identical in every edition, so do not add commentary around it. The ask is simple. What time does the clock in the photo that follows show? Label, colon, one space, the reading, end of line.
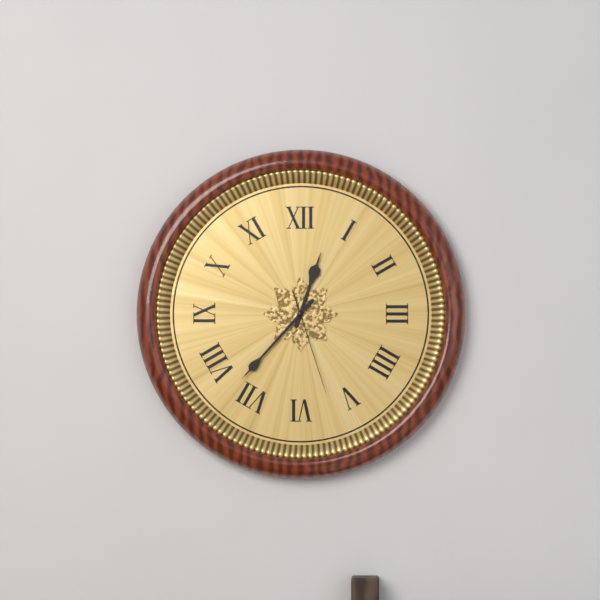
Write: 12:37:27
